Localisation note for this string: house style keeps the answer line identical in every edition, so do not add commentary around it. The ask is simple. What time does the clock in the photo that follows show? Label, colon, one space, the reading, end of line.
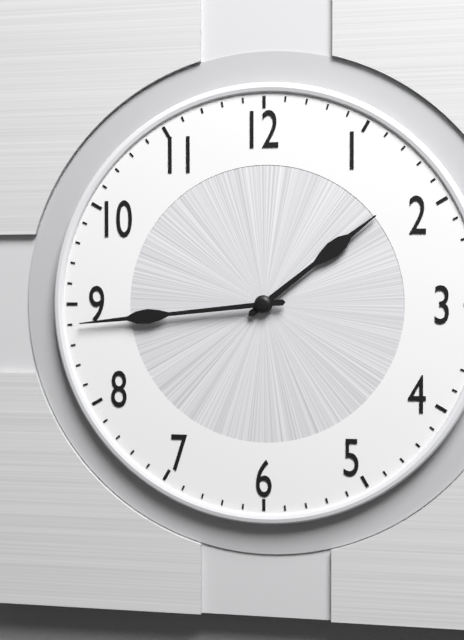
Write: 1:44
